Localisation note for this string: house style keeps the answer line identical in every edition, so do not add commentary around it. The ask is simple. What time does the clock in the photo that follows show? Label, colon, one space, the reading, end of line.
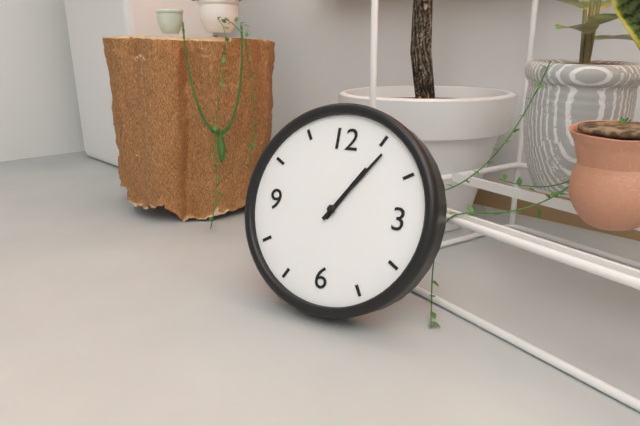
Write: 1:06
